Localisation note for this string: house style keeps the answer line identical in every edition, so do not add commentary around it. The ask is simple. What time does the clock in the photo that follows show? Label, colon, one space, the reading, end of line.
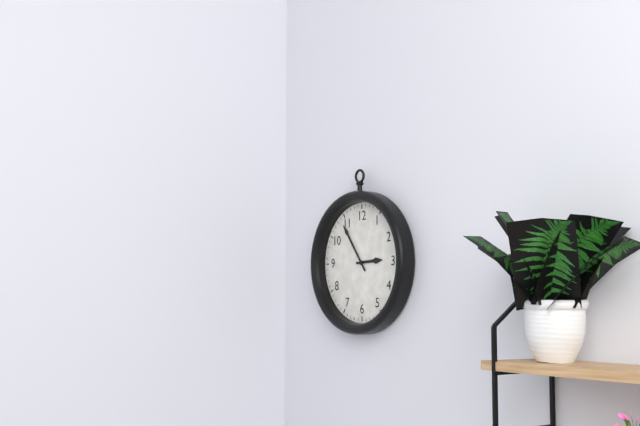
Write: 2:54
